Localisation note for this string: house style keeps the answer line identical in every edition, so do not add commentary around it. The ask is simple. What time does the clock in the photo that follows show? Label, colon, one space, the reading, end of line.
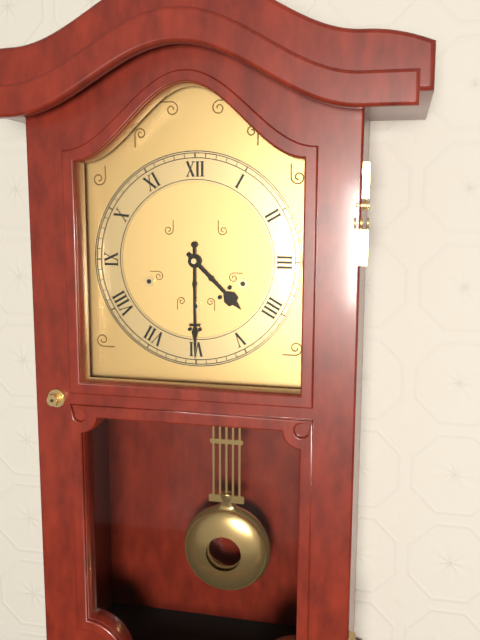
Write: 4:30
